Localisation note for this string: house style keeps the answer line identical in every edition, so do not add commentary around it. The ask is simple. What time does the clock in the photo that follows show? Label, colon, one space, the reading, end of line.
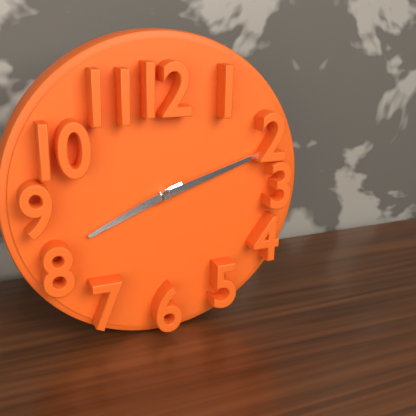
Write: 8:12
